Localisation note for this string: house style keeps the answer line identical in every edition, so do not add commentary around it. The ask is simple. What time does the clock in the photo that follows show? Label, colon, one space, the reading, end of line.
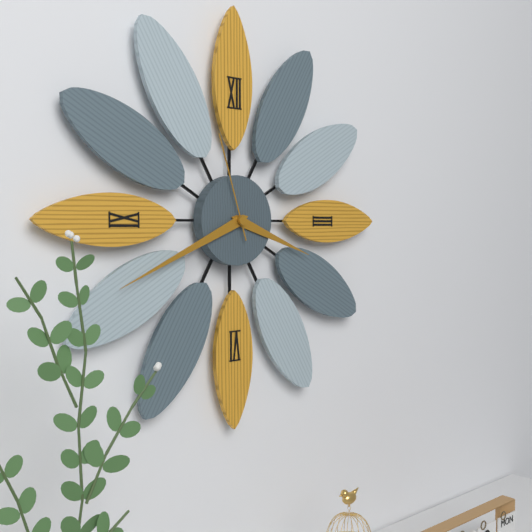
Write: 3:41:57
